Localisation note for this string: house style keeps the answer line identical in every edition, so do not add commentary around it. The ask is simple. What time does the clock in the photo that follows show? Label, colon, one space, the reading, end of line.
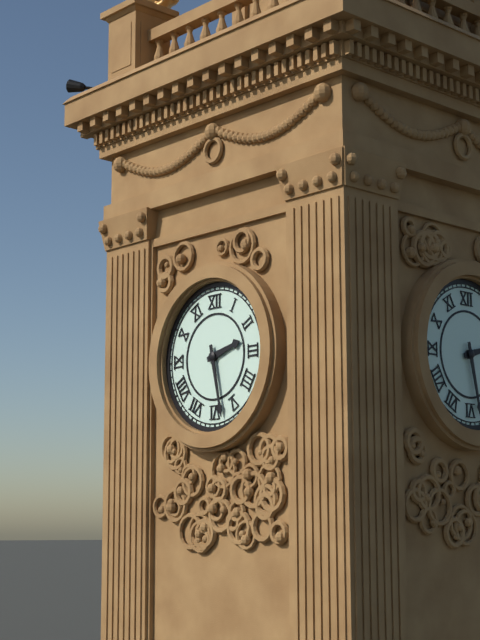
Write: 2:28
